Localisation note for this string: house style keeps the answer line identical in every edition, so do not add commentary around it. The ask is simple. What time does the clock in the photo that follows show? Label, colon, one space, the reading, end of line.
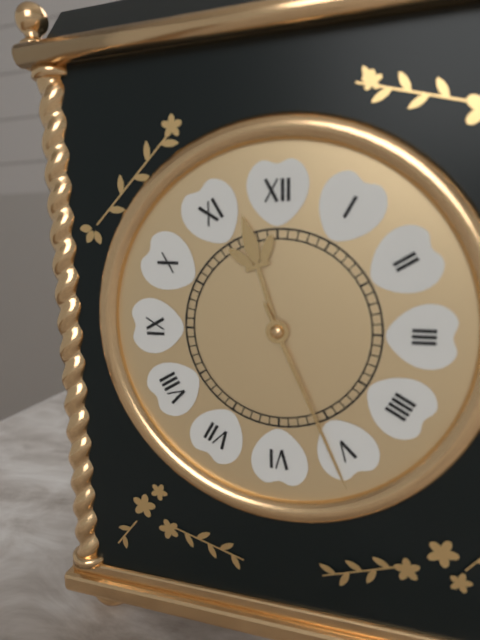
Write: 11:26
